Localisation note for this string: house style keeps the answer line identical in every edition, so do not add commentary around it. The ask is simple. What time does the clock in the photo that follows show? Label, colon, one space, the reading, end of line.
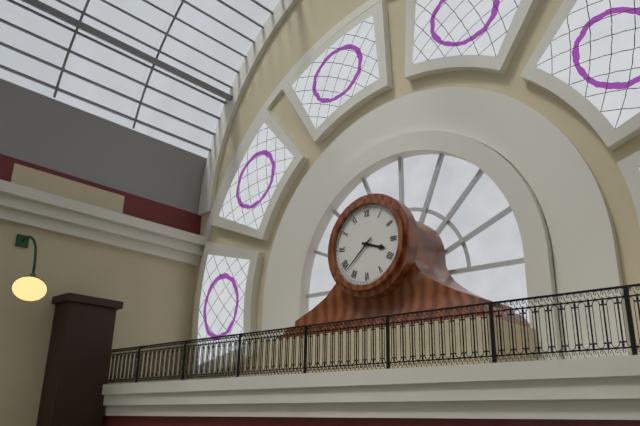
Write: 3:38
